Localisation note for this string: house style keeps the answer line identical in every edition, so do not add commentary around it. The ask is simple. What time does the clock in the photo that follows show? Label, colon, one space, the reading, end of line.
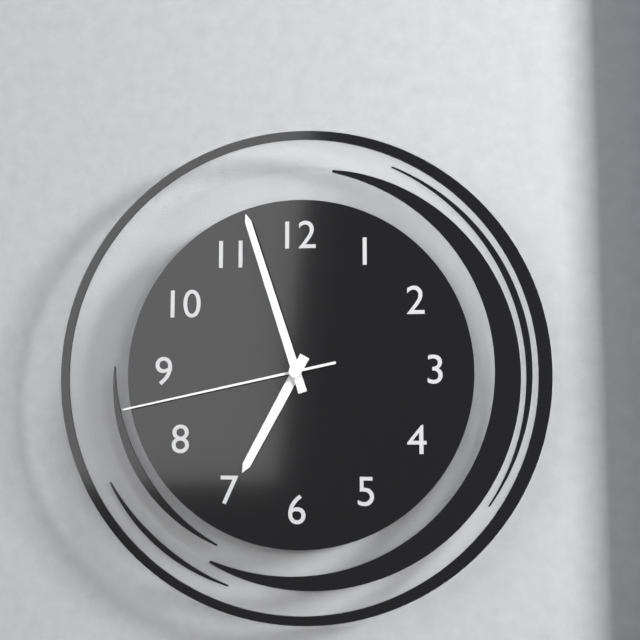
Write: 6:57:43
